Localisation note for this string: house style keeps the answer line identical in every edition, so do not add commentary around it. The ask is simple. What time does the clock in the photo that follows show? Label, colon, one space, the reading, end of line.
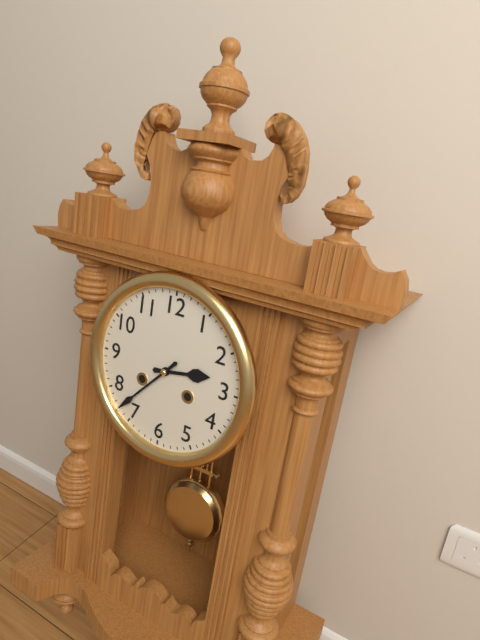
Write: 2:37
